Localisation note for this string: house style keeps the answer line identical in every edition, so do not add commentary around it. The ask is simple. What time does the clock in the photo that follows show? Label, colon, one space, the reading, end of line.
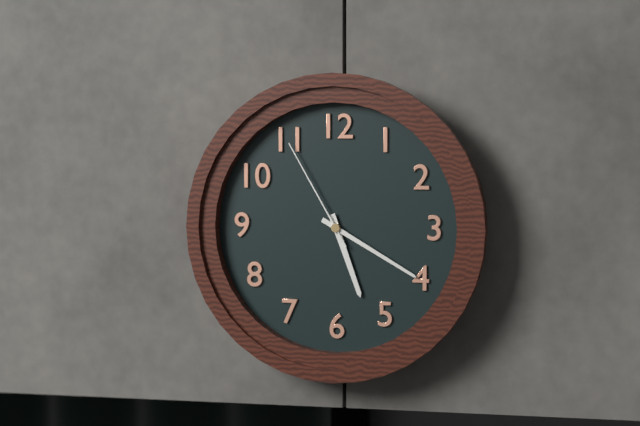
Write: 5:20:55
